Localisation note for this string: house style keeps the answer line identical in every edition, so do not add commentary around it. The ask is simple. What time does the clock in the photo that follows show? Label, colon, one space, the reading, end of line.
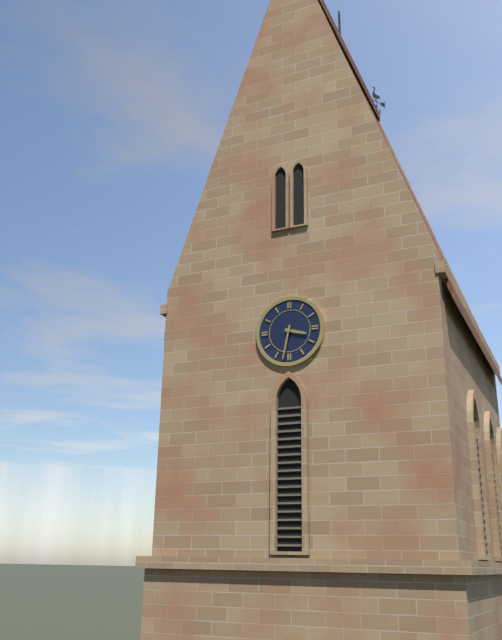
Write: 3:32
